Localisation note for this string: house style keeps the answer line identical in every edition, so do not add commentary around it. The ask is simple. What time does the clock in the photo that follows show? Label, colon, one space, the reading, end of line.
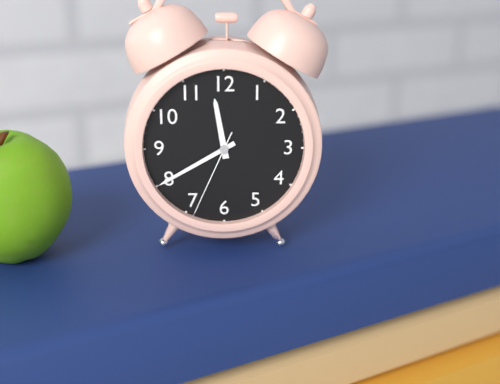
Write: 11:40:34
